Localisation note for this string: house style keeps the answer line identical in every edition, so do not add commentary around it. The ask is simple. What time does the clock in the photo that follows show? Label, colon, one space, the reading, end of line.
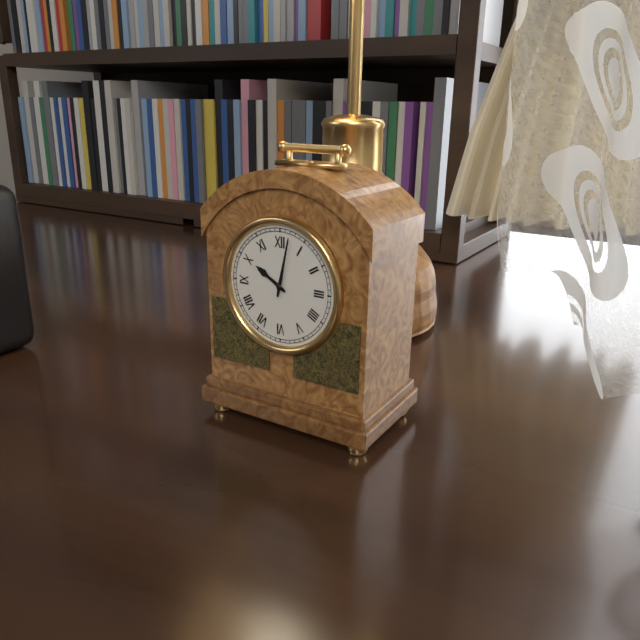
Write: 10:02
